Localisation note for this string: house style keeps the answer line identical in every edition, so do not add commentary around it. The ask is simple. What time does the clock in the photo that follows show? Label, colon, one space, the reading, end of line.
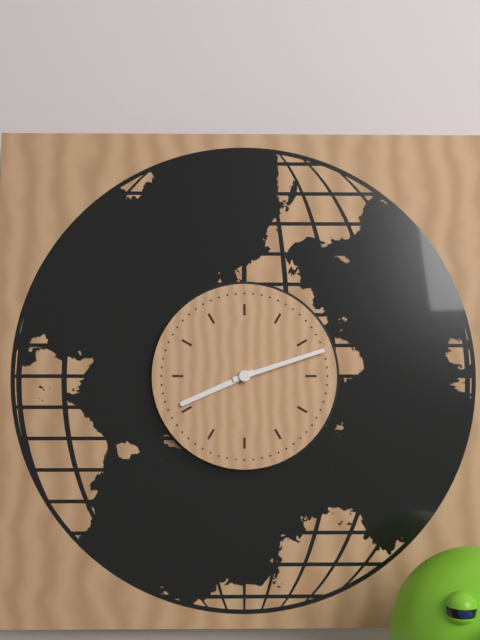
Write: 8:12
